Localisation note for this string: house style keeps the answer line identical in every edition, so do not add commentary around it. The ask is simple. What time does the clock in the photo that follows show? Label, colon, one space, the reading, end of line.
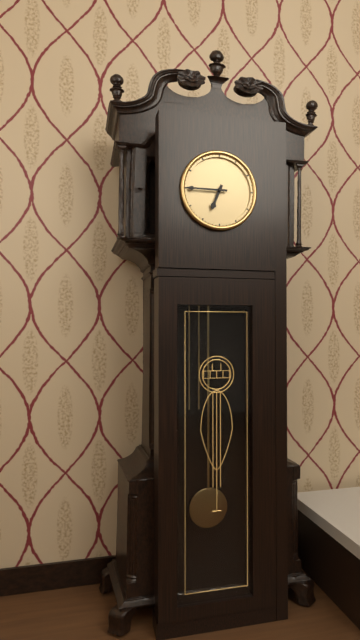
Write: 6:45
